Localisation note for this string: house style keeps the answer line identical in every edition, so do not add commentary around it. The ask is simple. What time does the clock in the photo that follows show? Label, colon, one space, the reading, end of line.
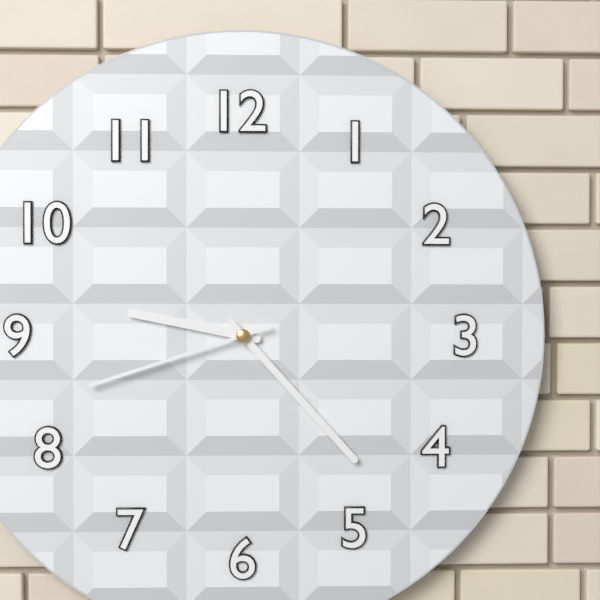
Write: 9:23:42
